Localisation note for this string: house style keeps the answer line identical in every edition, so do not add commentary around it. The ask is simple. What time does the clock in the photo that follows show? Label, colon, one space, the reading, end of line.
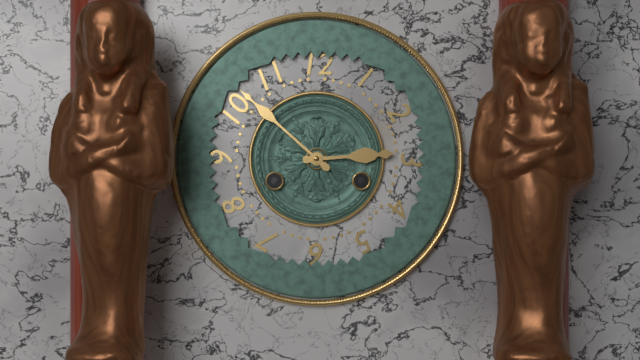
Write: 2:52
